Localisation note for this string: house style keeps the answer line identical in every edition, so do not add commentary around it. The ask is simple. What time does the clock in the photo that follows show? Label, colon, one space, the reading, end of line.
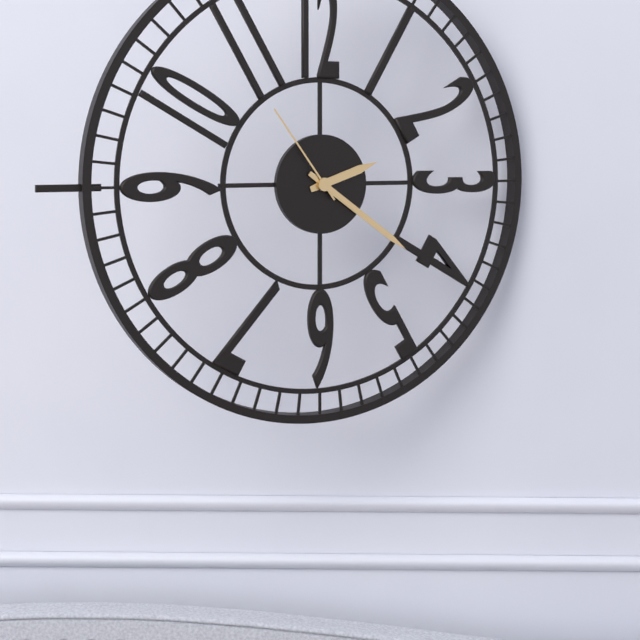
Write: 2:21:54
